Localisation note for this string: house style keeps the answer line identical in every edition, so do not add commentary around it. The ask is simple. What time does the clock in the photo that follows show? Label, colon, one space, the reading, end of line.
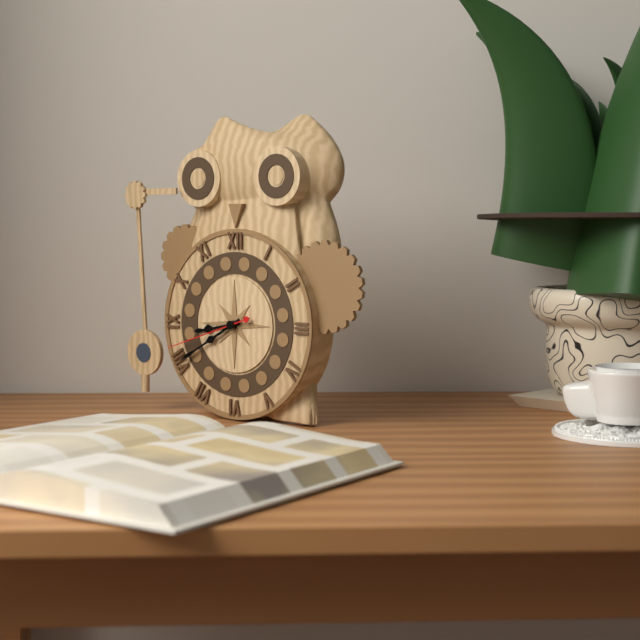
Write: 8:40:42
